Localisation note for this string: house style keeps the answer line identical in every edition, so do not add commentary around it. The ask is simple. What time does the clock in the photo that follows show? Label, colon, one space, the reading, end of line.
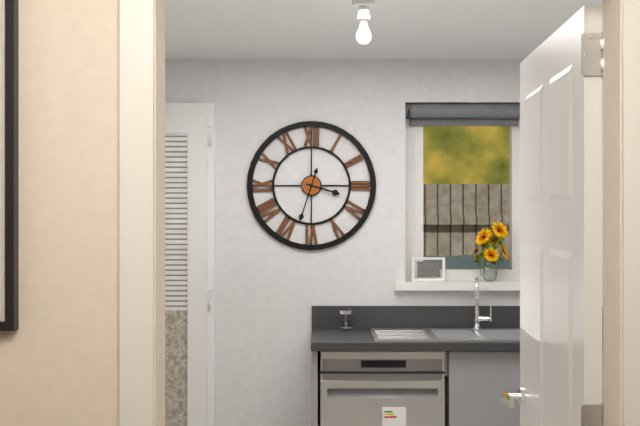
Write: 3:33
